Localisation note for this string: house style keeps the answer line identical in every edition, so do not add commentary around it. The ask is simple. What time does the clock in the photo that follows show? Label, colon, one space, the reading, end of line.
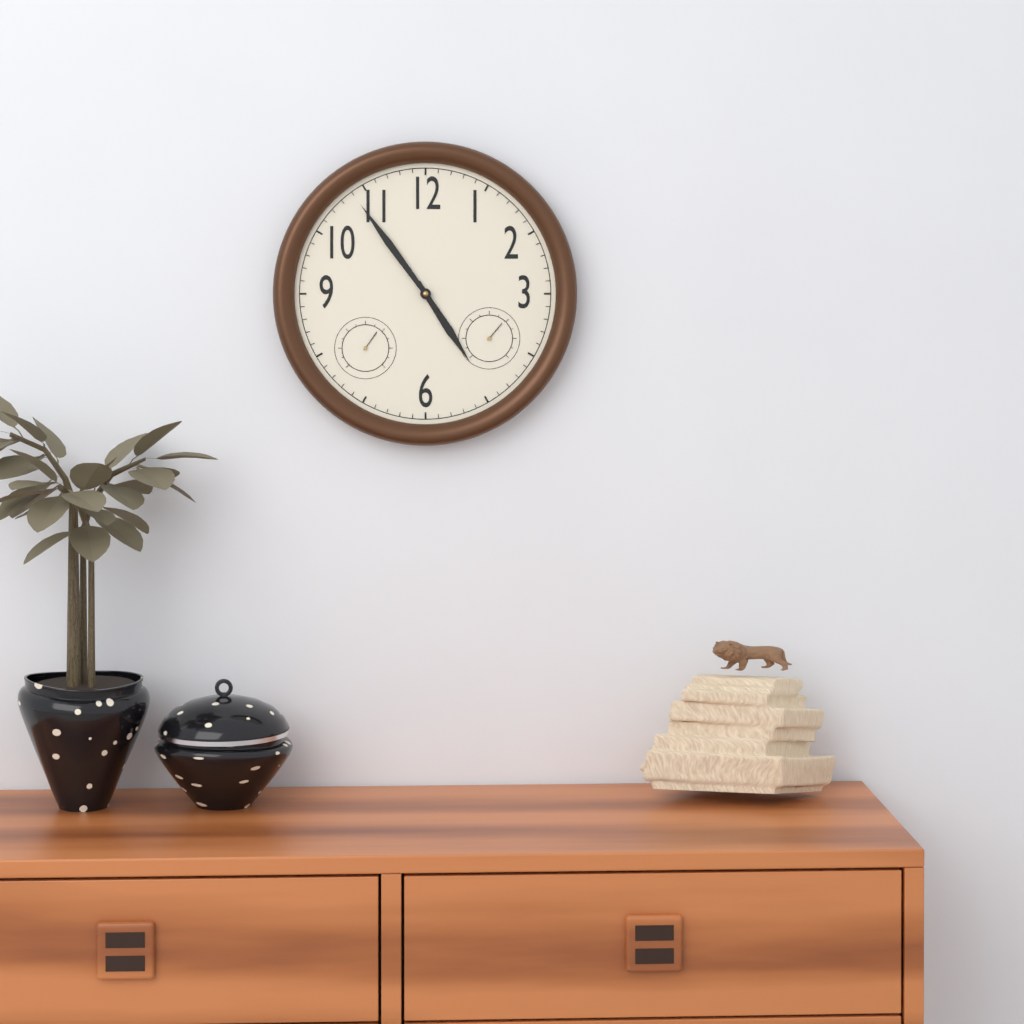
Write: 4:54
